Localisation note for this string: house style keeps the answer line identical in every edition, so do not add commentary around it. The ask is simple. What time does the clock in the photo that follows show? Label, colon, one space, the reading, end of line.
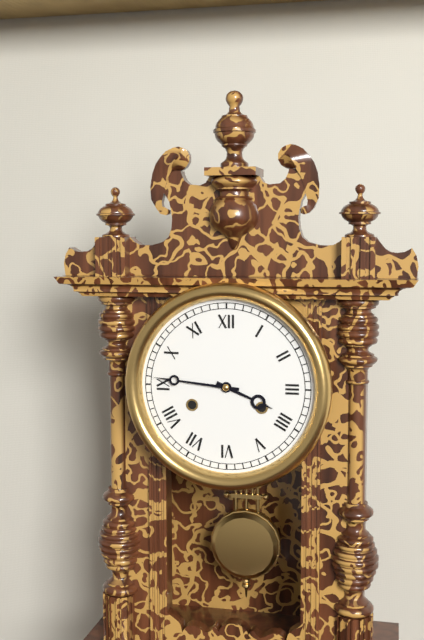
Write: 3:46
